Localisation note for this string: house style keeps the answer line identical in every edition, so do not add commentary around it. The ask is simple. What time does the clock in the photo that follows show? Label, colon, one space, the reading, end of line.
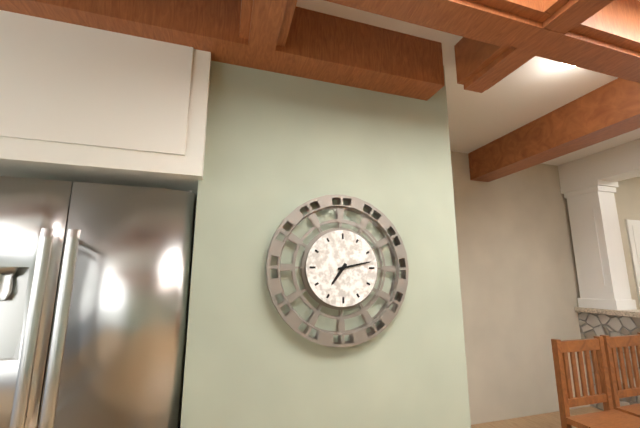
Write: 7:13
